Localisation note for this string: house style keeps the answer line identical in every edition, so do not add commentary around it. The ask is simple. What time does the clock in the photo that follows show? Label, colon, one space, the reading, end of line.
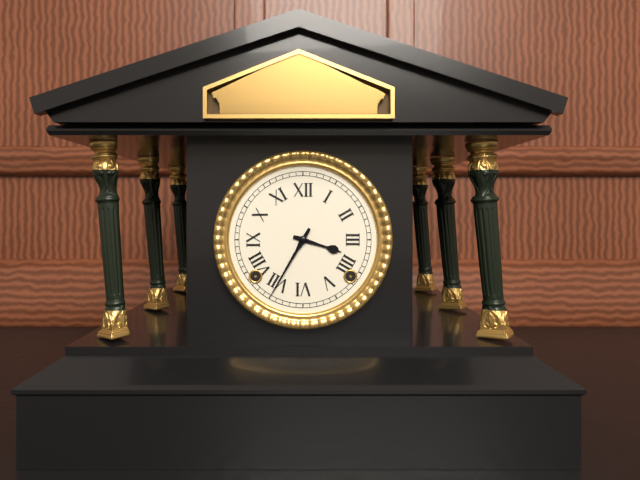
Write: 3:35
